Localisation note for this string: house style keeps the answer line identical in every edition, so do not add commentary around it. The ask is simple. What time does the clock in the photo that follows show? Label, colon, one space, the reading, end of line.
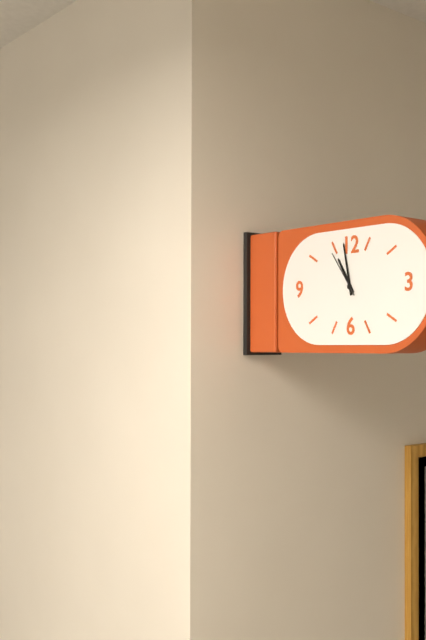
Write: 10:58
